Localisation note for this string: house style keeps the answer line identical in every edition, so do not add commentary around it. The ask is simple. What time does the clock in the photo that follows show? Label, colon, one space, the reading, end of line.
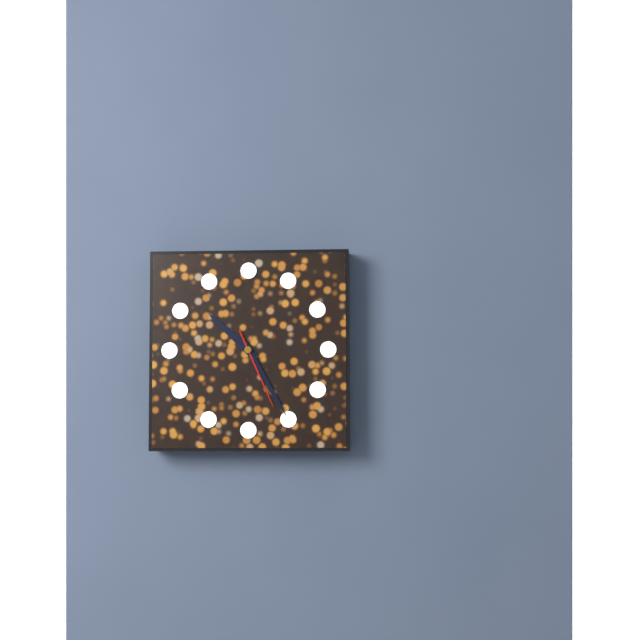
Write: 10:25:26
